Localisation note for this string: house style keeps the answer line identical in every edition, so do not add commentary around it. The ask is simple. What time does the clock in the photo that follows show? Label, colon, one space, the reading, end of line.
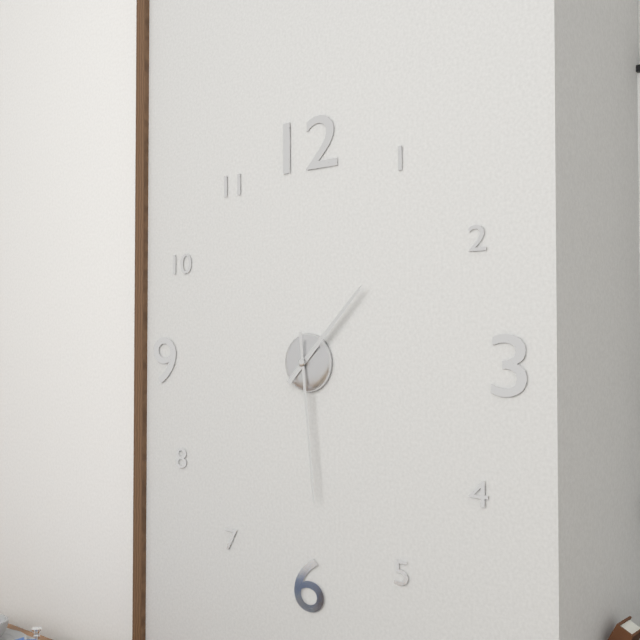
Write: 1:29
